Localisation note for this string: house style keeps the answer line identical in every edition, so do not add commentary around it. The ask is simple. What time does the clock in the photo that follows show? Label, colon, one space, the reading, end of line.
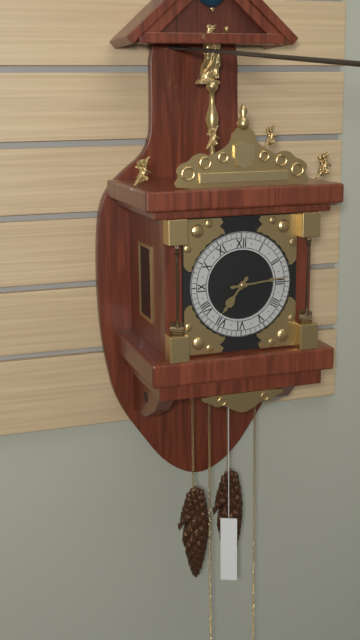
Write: 7:14
